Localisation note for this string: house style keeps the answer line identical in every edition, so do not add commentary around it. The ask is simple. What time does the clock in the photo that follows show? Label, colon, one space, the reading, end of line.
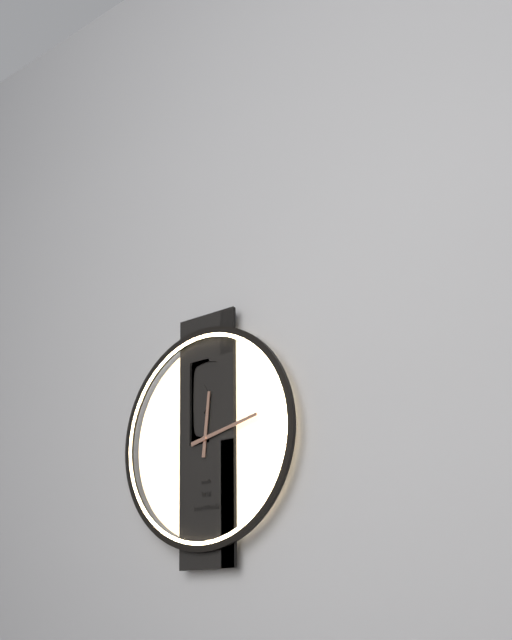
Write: 12:13
